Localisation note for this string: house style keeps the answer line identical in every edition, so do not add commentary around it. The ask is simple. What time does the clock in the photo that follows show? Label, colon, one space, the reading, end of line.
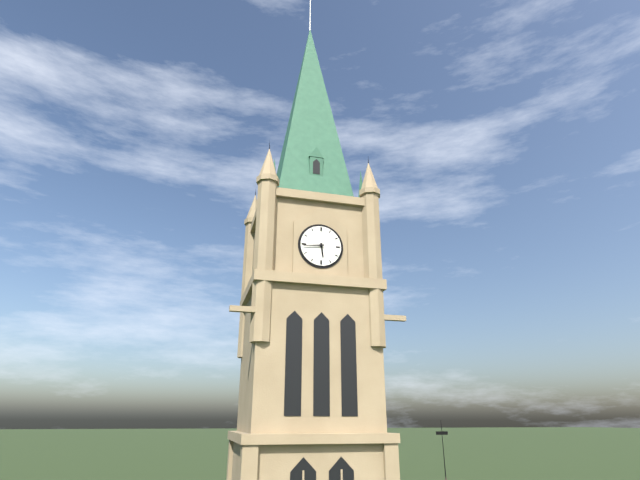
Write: 5:44
